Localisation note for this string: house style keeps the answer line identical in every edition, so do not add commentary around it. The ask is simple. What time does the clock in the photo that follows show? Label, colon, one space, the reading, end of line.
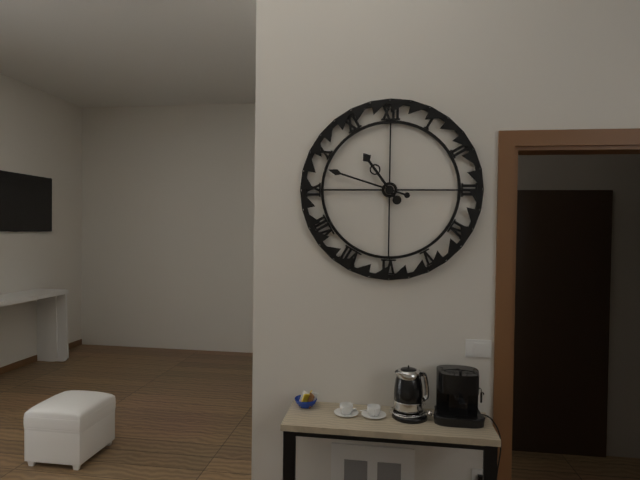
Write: 10:48
